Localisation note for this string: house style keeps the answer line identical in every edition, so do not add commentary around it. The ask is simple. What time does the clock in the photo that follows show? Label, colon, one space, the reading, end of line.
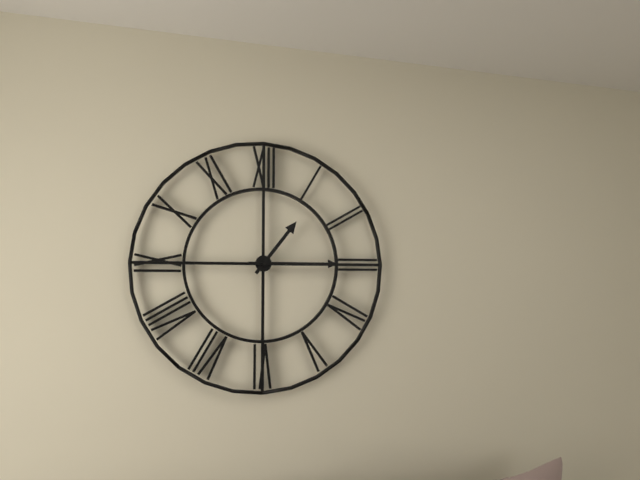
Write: 1:15
